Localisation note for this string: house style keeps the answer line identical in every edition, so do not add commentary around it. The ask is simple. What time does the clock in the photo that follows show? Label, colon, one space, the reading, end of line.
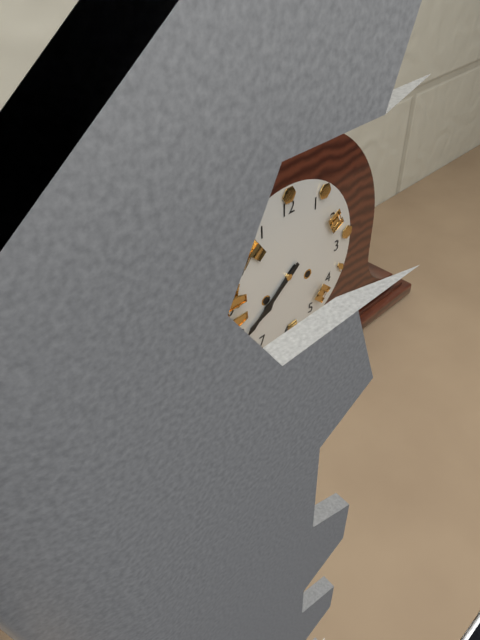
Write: 7:39
